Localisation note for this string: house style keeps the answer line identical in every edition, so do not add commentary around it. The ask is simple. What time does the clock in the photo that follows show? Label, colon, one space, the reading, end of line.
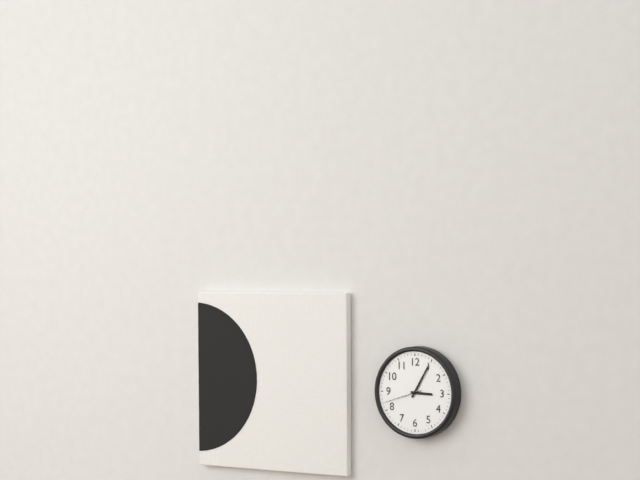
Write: 3:05
